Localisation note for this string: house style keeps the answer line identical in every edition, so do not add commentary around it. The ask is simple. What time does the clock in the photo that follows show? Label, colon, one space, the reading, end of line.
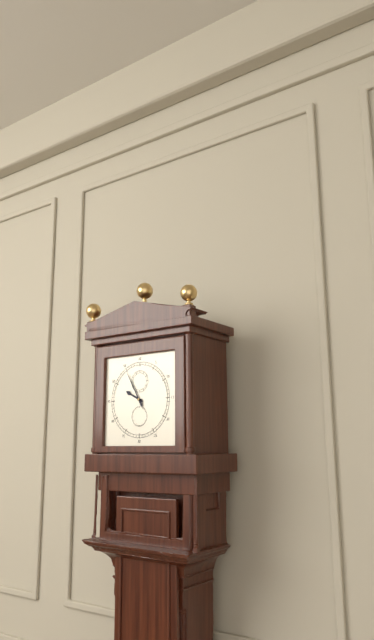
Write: 9:55
